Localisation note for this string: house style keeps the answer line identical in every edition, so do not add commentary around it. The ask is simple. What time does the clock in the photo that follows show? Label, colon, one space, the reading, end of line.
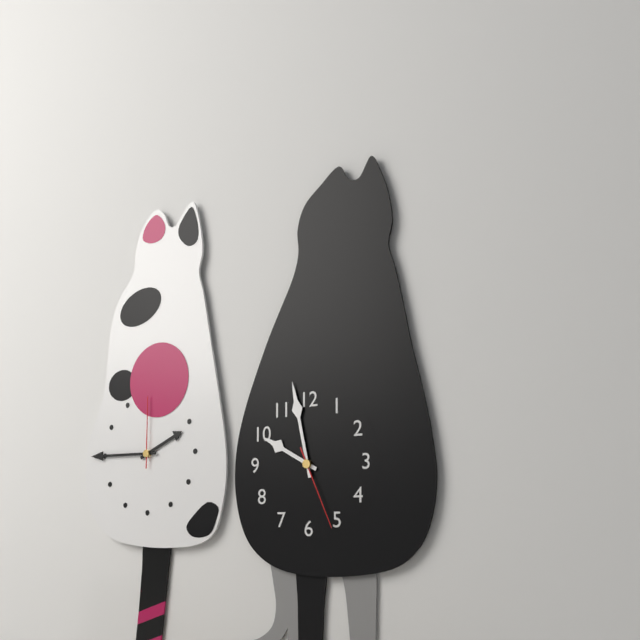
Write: 9:58:26
